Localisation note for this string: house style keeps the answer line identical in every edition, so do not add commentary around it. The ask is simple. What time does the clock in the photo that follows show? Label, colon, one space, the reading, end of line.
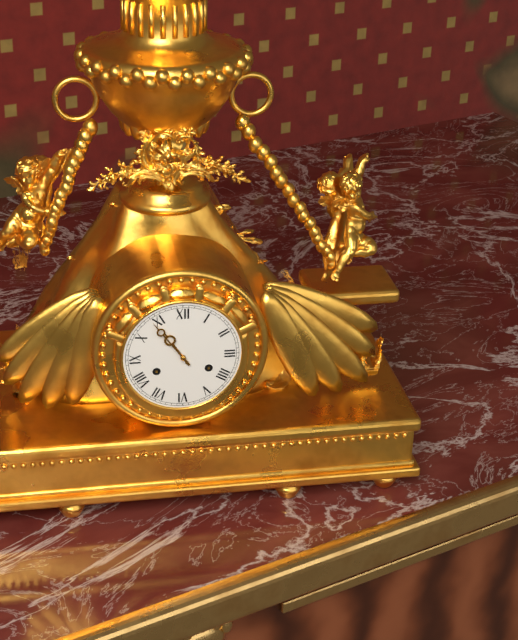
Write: 10:54
